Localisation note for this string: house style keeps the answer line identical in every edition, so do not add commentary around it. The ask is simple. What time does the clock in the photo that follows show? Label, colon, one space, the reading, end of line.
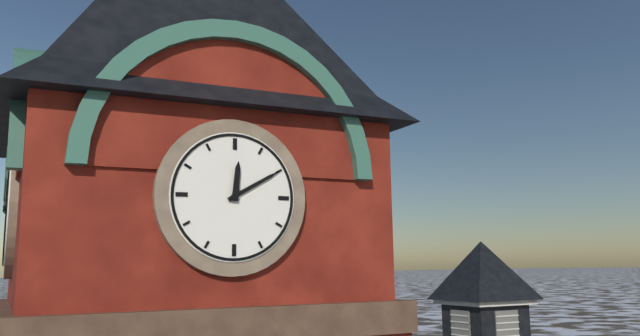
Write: 12:10
